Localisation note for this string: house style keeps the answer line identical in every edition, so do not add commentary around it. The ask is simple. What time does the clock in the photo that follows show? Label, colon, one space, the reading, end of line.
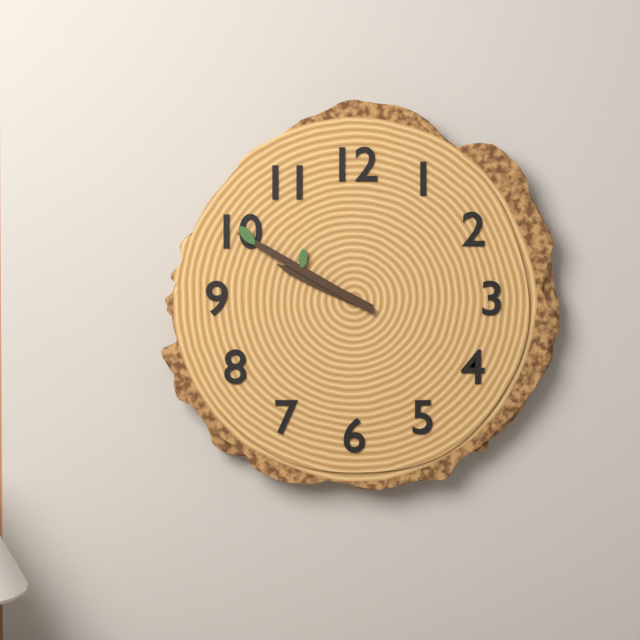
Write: 9:50
